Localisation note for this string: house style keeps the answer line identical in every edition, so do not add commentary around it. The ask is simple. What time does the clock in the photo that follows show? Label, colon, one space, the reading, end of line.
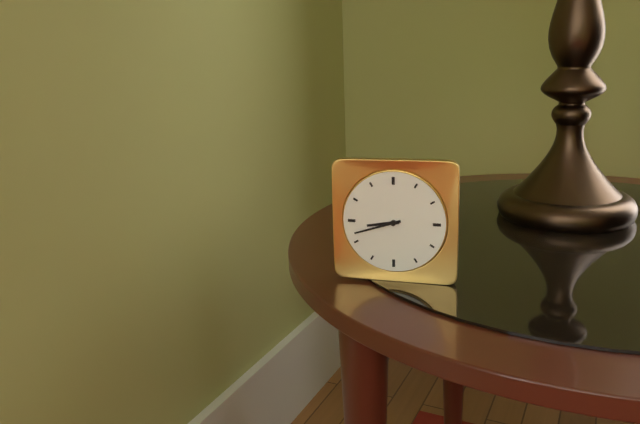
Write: 8:42
